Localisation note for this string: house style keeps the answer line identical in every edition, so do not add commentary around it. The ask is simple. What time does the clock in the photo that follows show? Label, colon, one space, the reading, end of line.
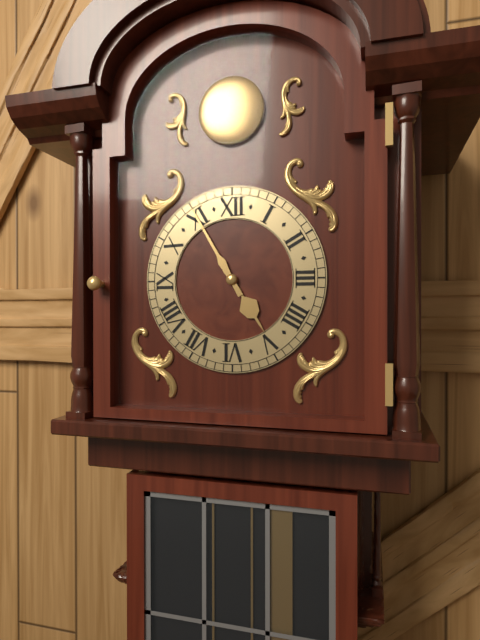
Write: 4:55
